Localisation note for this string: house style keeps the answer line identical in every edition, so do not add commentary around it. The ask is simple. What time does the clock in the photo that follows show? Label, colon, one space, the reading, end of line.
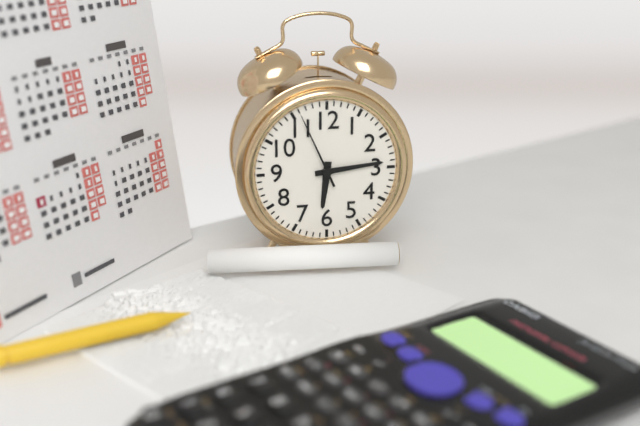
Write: 6:14:56
